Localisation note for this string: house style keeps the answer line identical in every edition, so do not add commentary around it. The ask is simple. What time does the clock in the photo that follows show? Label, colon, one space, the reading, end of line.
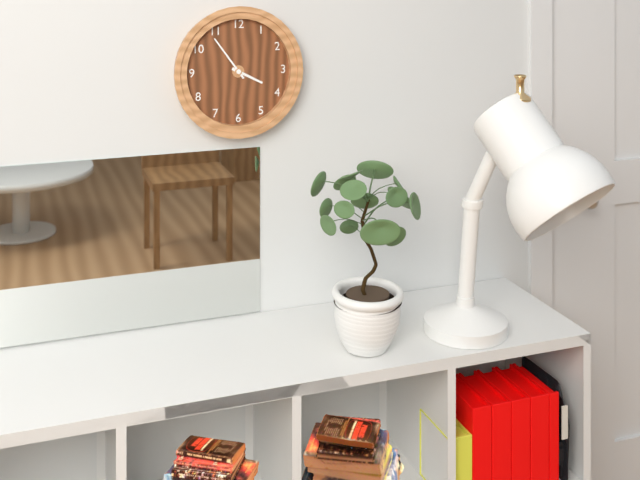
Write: 3:54
